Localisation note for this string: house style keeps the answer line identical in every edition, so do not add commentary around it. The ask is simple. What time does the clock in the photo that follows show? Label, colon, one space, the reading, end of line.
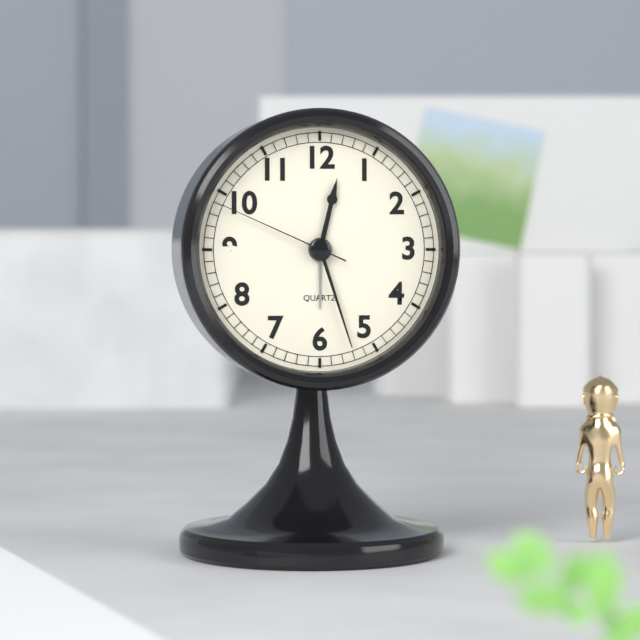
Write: 12:27:49
